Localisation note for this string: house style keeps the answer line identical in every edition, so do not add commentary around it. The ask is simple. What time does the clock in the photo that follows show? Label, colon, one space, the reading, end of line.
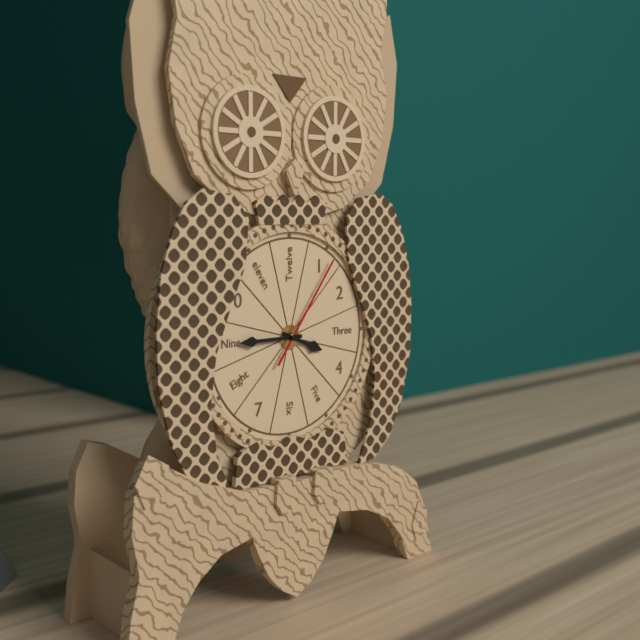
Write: 3:45:06
